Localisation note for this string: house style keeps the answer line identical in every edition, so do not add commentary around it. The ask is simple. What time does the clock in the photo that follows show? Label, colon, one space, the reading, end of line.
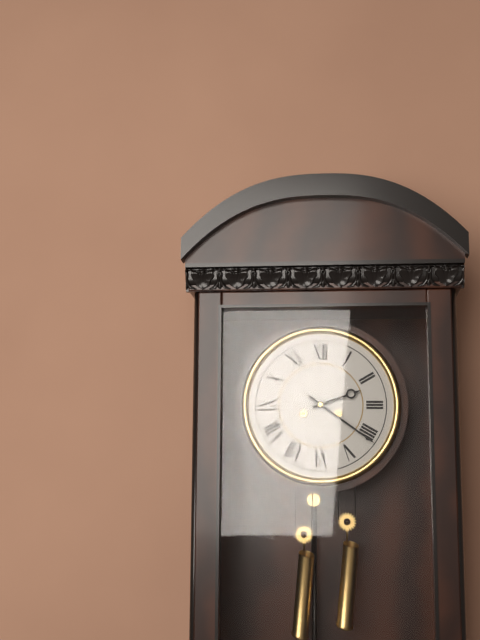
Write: 2:21
